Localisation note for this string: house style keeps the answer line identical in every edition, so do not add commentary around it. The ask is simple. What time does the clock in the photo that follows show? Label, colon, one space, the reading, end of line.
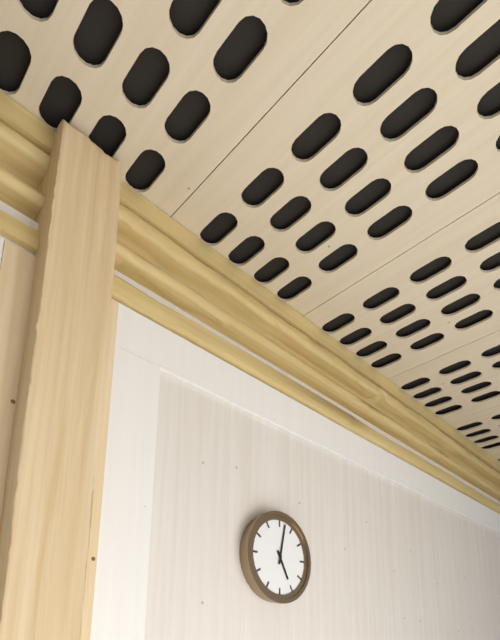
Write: 5:02
